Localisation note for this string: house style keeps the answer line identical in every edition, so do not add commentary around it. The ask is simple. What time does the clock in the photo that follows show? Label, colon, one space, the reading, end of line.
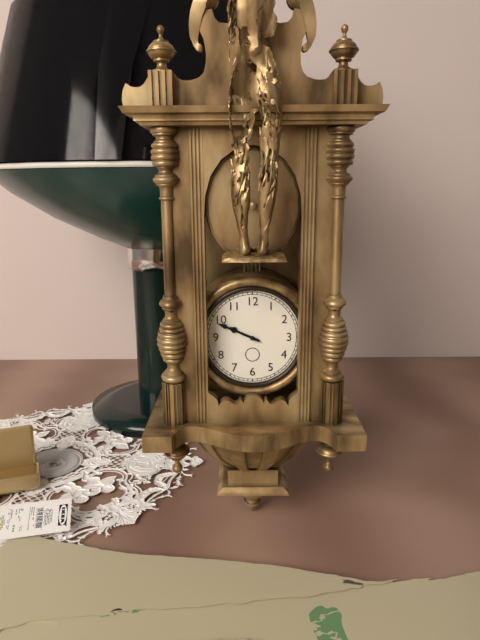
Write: 9:49
